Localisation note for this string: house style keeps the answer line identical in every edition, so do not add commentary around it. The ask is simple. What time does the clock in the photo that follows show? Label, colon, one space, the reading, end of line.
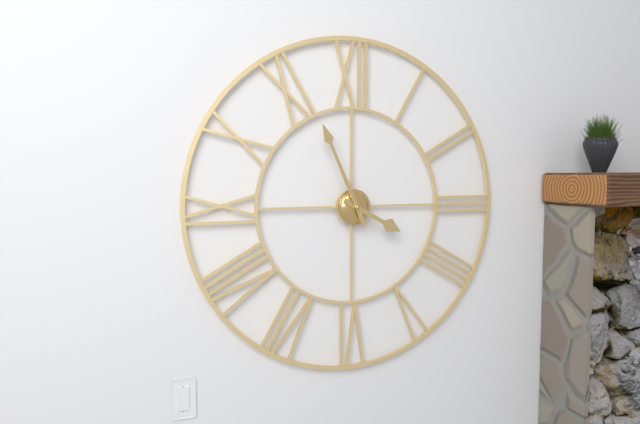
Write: 3:56
